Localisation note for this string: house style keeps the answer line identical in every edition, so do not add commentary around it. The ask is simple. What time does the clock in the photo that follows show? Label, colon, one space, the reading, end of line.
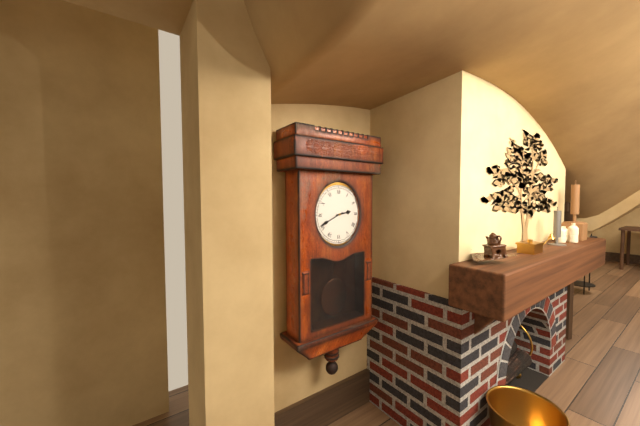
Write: 2:41
